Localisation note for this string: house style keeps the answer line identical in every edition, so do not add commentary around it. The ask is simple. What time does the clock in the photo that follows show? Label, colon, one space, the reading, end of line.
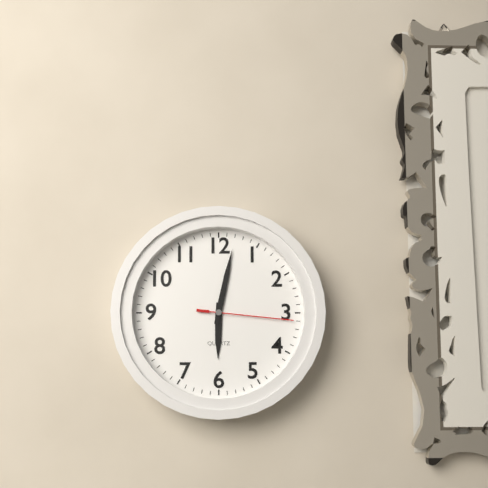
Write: 6:02:16
